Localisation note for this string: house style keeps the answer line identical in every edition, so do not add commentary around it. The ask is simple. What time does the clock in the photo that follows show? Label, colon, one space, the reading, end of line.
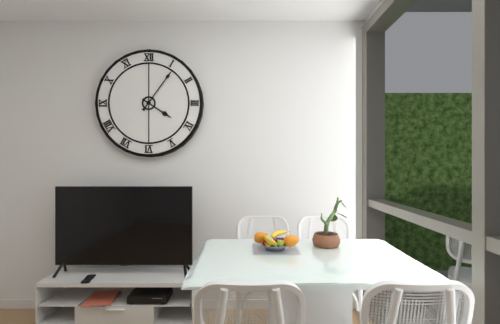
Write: 4:06
